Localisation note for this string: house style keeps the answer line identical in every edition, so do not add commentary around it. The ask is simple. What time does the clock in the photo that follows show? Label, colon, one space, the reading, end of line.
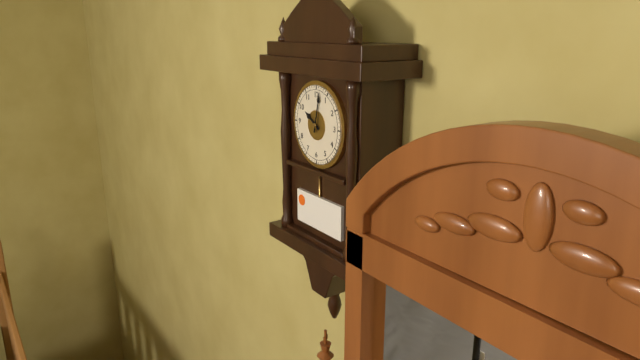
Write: 10:02
